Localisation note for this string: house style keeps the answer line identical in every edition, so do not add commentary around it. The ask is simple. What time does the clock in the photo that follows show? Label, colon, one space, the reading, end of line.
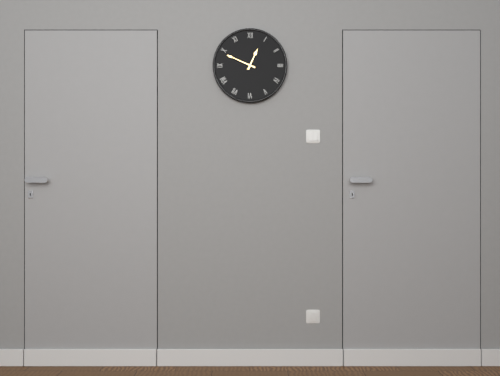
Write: 12:49
